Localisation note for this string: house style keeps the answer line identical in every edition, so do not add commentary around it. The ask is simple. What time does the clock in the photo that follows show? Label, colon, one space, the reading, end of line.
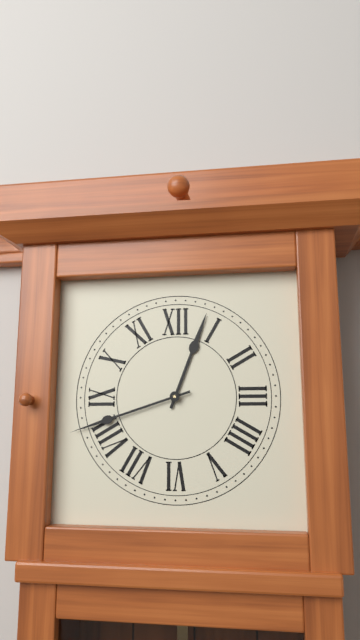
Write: 12:42
